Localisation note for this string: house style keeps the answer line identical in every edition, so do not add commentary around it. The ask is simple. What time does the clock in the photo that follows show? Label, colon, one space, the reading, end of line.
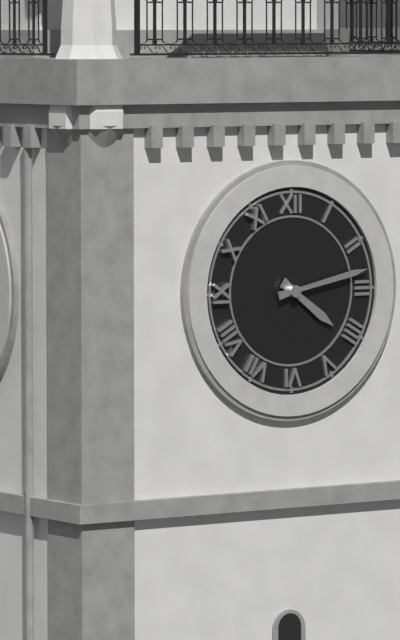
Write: 4:13
